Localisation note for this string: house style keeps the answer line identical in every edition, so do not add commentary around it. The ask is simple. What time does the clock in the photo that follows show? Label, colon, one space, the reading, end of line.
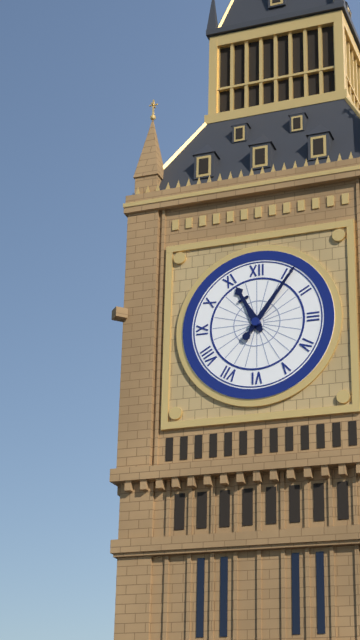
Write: 11:06
